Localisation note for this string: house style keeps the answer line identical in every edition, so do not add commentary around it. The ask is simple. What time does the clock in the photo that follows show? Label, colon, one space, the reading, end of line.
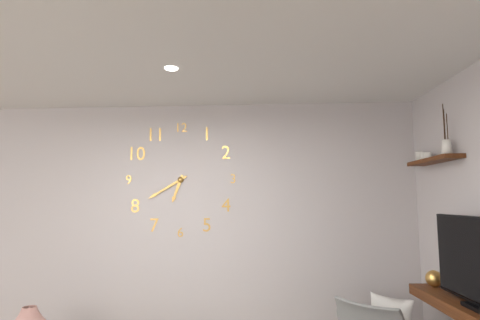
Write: 6:40
